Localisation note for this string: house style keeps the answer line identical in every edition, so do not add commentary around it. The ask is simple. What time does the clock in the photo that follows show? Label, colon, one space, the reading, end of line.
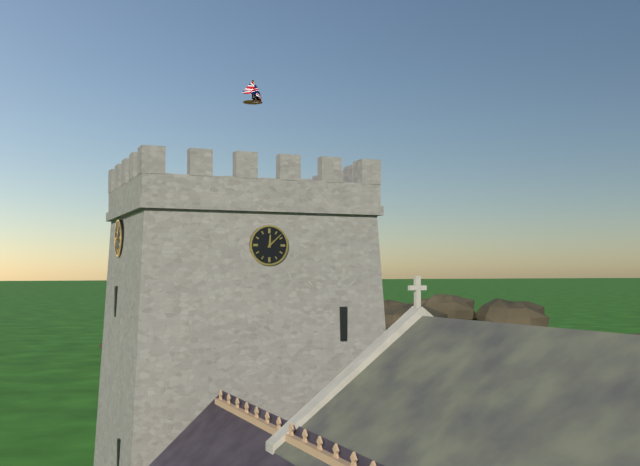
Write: 12:08
